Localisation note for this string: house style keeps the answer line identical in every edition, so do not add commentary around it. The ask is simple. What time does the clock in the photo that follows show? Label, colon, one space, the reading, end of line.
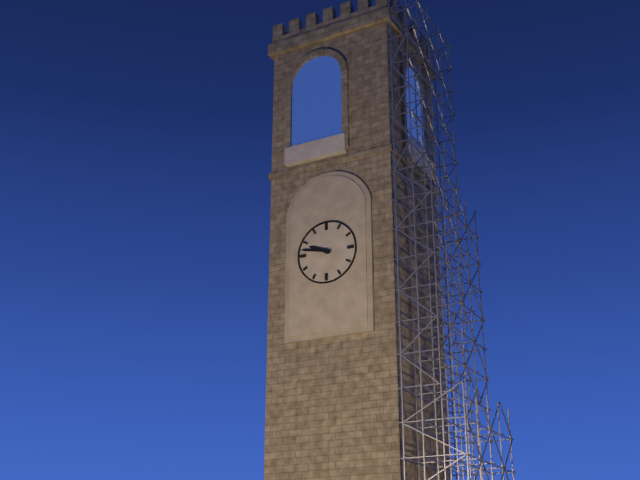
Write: 9:47
